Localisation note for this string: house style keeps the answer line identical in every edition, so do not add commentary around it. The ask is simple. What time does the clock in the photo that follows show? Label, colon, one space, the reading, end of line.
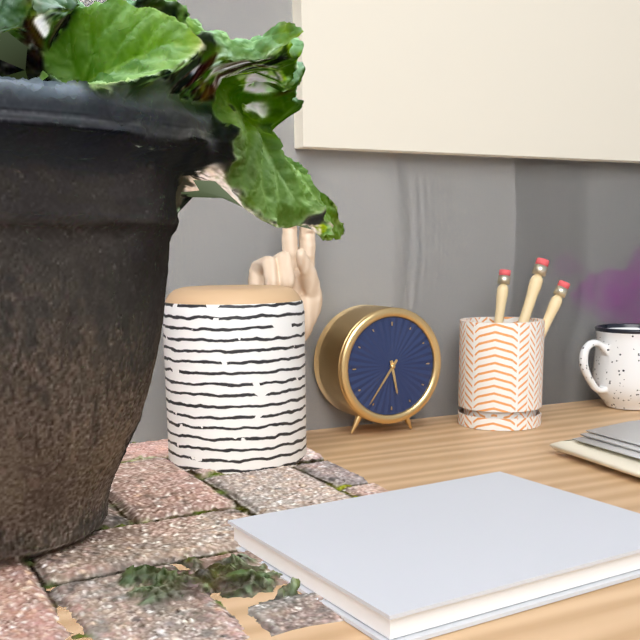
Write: 5:36
